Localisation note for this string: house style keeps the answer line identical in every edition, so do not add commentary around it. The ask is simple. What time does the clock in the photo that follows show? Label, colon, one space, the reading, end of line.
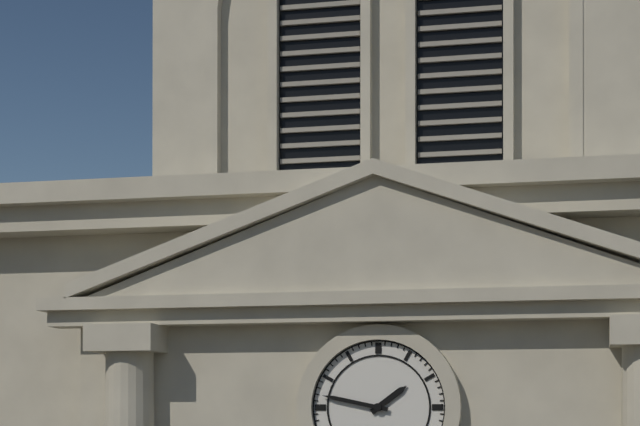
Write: 1:47
